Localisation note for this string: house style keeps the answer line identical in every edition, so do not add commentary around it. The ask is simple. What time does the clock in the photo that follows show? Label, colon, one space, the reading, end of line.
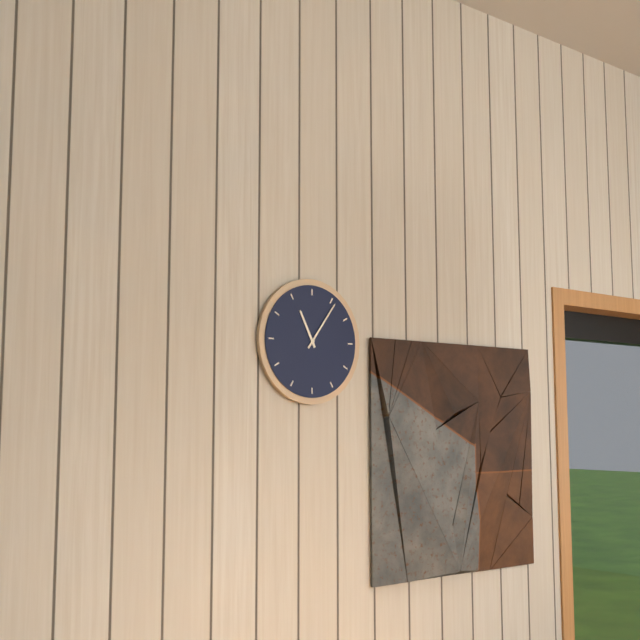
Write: 11:06
